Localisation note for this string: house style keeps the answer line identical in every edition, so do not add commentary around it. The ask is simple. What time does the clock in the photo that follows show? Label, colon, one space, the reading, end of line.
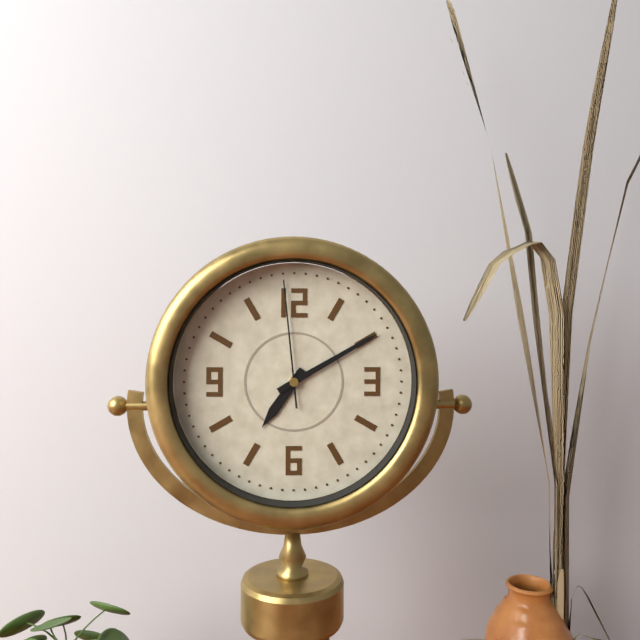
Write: 7:10:59
